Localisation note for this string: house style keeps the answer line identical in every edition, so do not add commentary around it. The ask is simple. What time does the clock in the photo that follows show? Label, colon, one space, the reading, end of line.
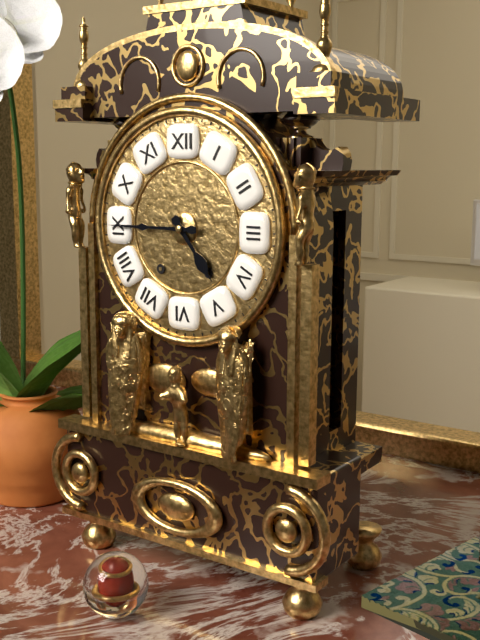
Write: 4:45
